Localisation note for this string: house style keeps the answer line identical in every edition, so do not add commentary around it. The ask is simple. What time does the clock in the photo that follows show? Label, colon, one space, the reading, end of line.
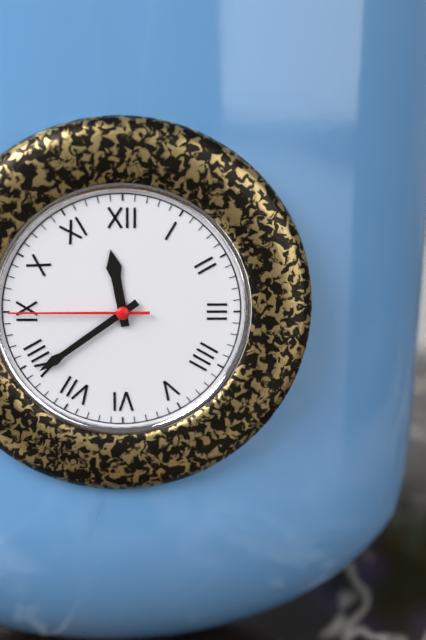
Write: 11:39:45
